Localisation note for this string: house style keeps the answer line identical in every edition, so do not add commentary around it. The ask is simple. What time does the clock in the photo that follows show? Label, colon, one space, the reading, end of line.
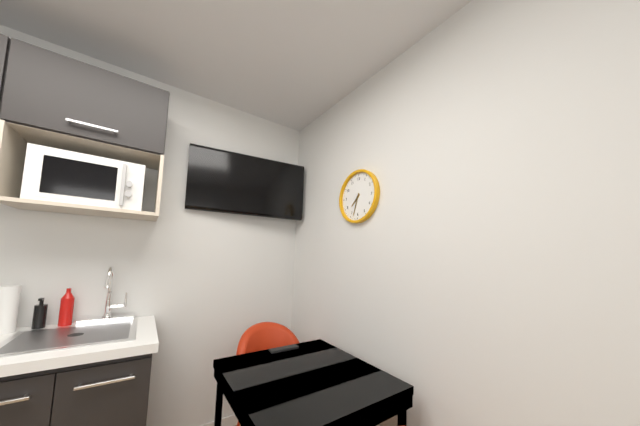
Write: 7:33
